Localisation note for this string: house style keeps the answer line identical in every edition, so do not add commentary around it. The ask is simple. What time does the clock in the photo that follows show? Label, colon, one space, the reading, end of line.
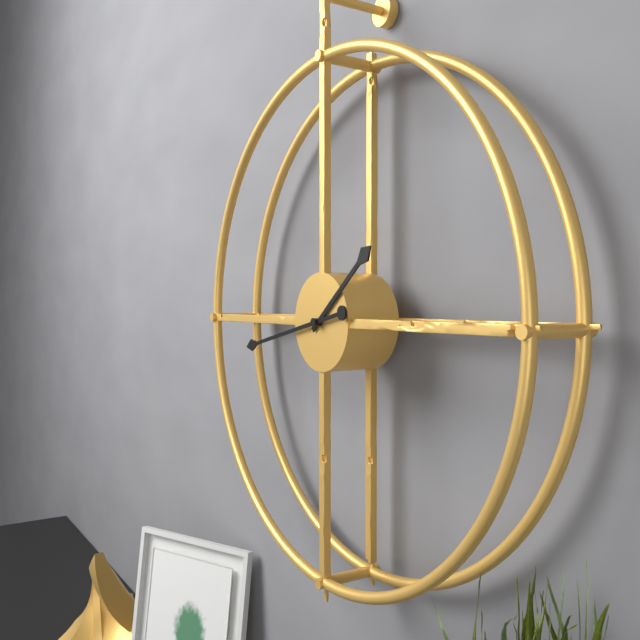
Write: 1:43
